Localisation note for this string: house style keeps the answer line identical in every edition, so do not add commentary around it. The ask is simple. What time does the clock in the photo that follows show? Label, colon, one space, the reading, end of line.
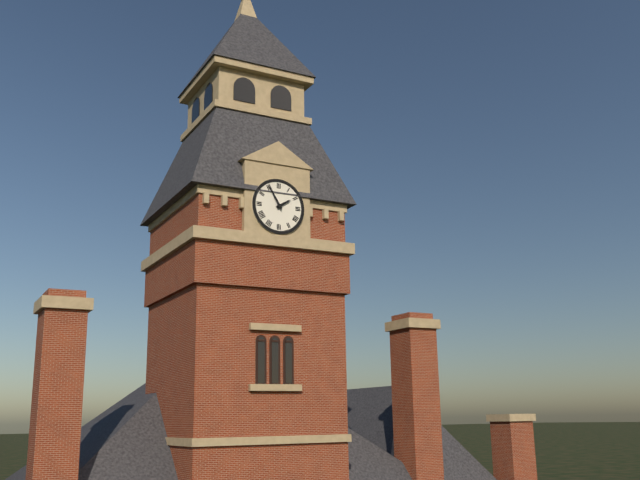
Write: 1:55
